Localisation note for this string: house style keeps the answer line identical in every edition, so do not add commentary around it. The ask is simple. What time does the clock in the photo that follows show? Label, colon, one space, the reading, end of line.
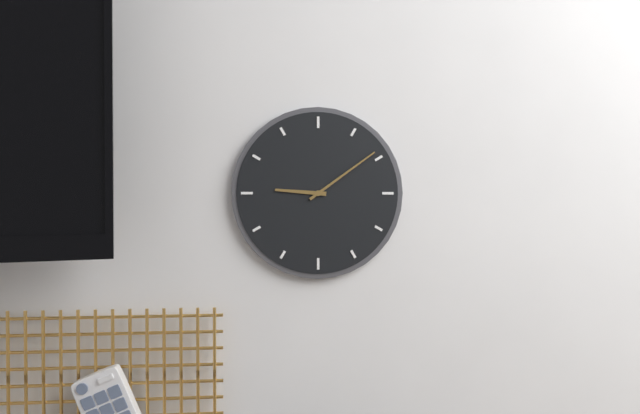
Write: 9:09
